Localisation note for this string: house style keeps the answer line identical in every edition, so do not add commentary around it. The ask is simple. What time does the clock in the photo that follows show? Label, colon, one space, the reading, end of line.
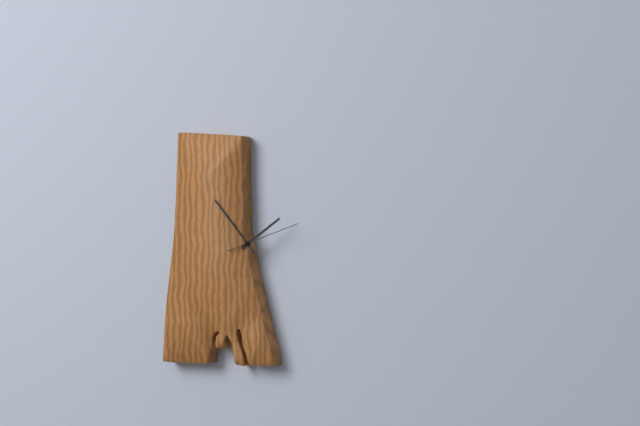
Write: 1:53:12
